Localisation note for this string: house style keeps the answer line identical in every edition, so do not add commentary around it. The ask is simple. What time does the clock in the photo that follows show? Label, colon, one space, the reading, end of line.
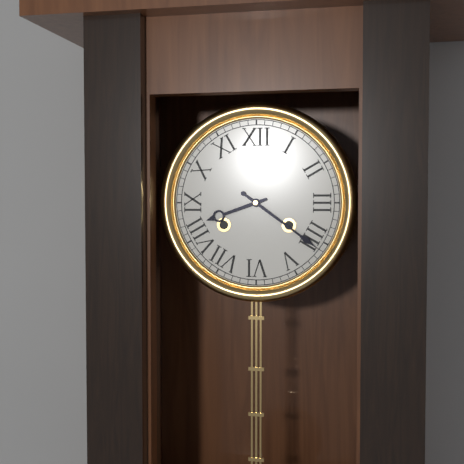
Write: 8:21
